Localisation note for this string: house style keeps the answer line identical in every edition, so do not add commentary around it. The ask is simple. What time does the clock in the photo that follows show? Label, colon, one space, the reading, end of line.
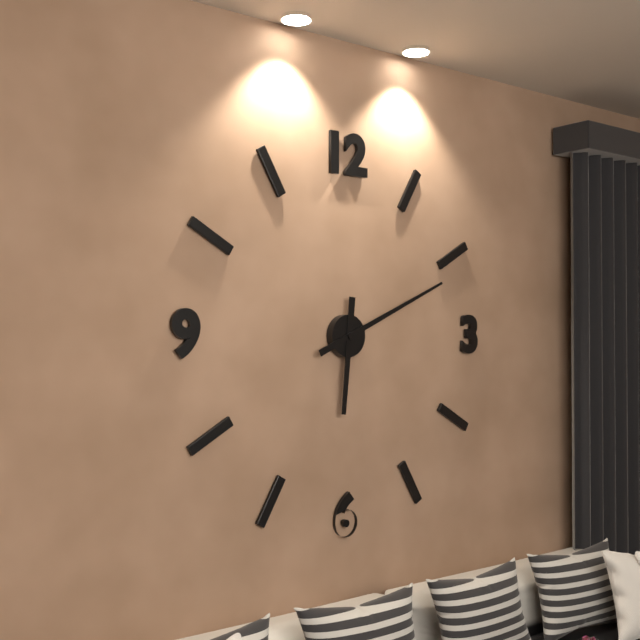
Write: 6:11
